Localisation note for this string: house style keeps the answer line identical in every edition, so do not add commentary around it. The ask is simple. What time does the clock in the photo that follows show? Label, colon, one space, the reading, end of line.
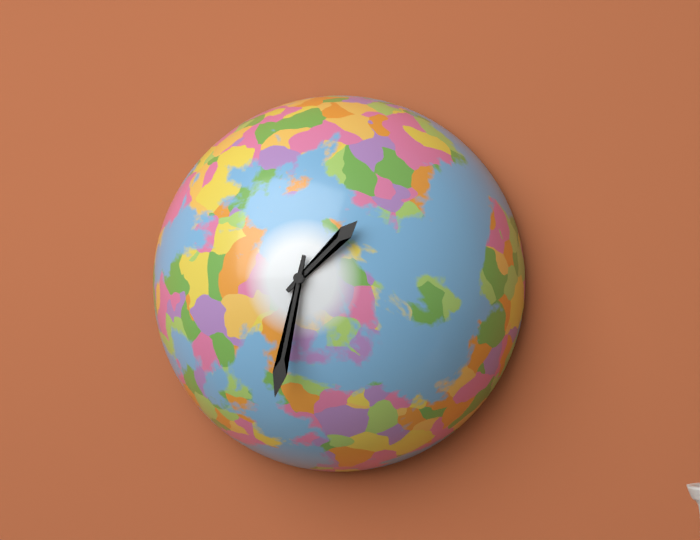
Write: 1:32
